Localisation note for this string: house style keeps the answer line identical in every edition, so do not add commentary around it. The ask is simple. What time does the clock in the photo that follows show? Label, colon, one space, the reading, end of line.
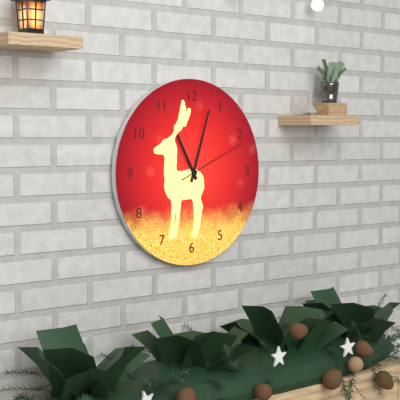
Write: 11:03:11
